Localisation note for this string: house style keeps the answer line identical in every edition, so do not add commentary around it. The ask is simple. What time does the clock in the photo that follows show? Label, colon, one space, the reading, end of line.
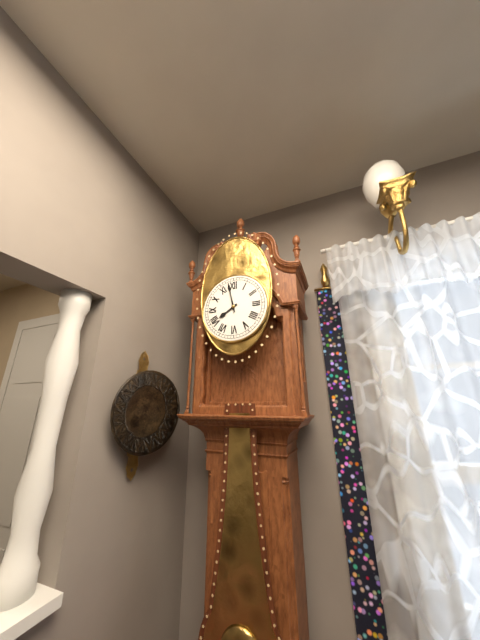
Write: 7:58
